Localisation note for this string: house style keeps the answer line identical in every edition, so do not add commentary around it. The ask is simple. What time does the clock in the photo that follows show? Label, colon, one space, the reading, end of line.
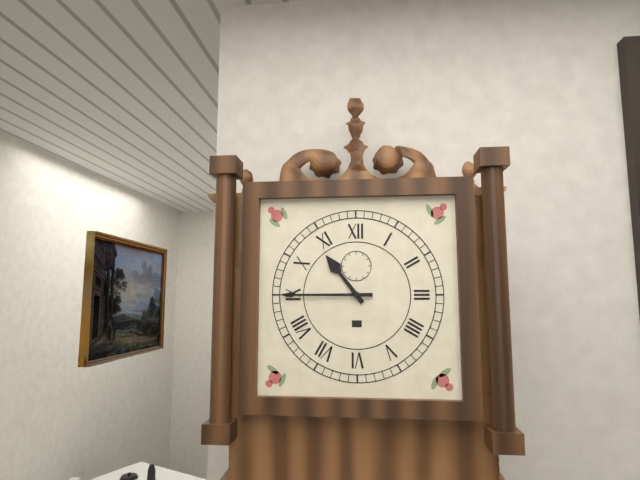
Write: 10:45
